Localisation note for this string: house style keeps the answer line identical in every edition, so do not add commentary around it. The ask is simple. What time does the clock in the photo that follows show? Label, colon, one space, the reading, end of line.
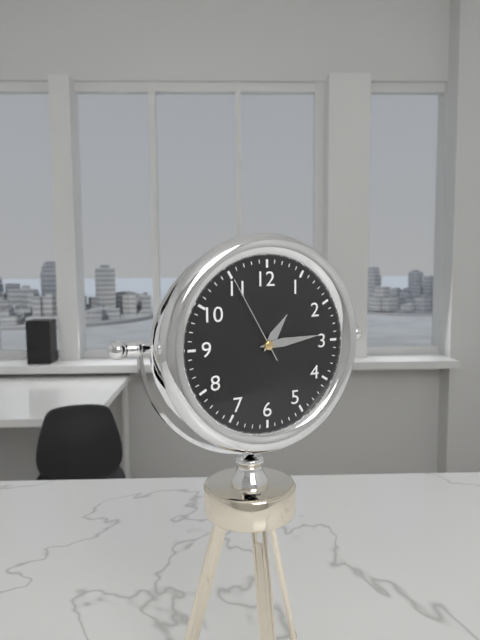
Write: 1:14:55
